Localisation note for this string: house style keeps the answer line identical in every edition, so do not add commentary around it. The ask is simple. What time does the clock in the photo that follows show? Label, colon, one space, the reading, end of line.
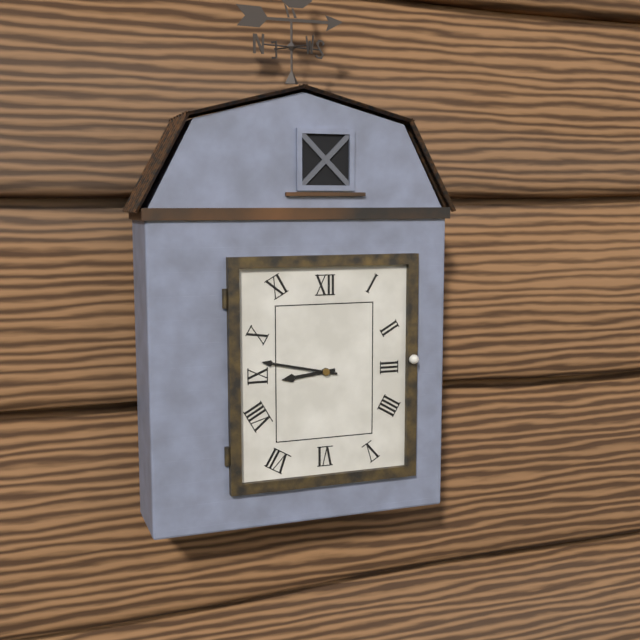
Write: 8:47
